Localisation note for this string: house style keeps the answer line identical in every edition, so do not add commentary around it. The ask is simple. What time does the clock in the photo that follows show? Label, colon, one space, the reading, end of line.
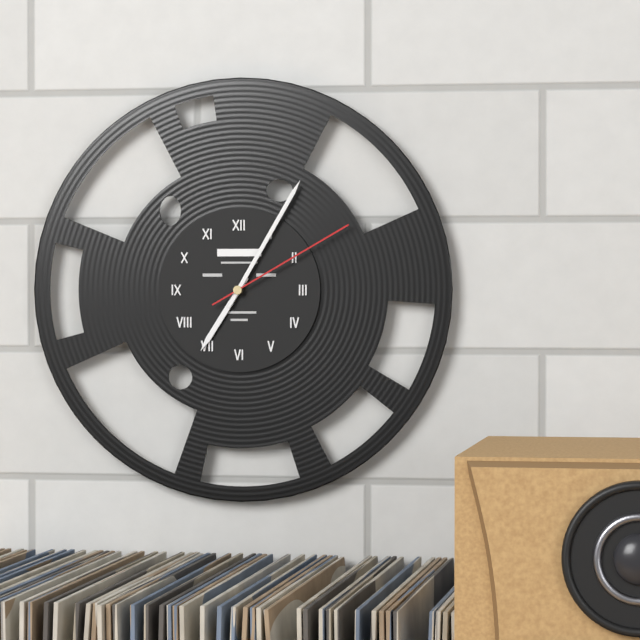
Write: 7:05:10
